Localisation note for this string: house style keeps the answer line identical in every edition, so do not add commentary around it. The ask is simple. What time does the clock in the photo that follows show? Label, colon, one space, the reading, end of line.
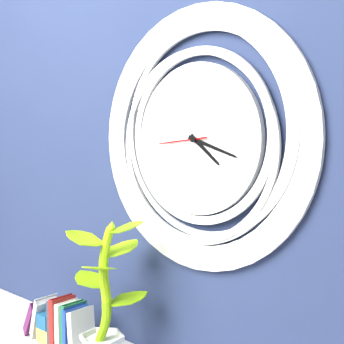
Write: 4:18
